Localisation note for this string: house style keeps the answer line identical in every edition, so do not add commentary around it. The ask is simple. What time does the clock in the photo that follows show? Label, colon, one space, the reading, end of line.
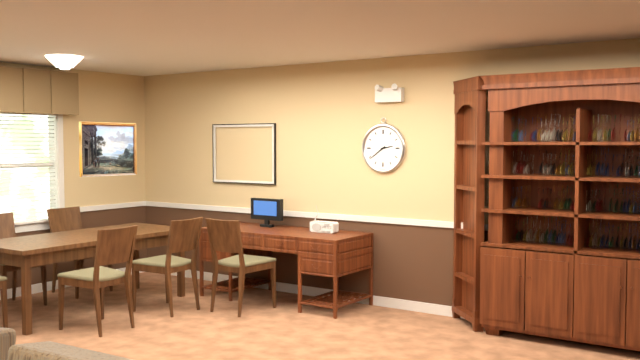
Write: 2:39
